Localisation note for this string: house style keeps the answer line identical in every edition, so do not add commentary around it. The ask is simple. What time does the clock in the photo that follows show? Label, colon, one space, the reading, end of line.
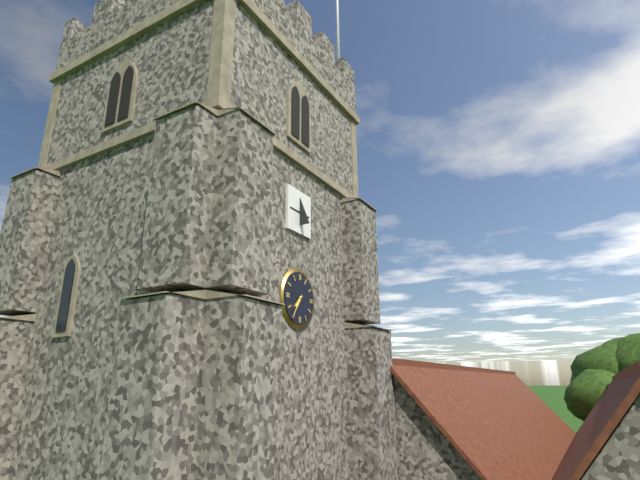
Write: 7:36
